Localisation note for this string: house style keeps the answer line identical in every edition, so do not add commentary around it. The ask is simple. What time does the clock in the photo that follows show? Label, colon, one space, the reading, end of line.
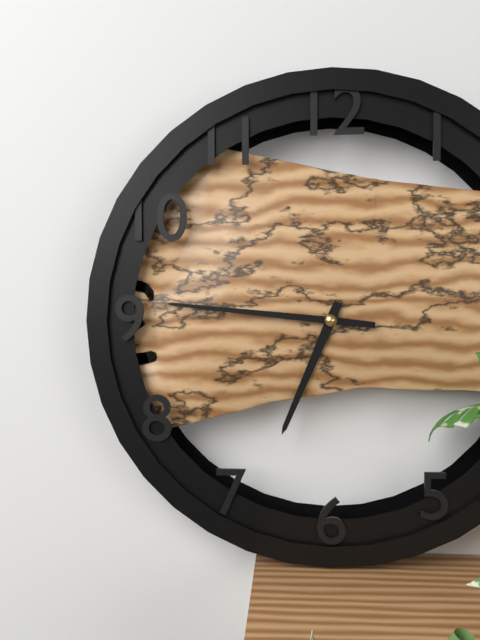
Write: 6:46
